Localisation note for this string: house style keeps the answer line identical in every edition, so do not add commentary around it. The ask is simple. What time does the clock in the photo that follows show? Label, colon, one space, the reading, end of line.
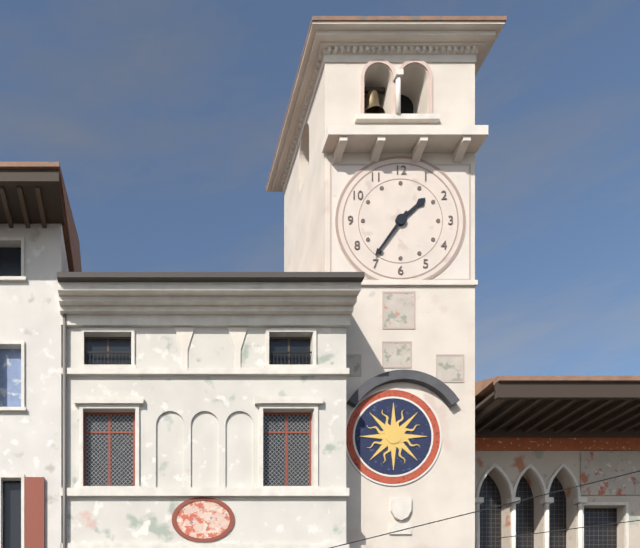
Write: 1:36
